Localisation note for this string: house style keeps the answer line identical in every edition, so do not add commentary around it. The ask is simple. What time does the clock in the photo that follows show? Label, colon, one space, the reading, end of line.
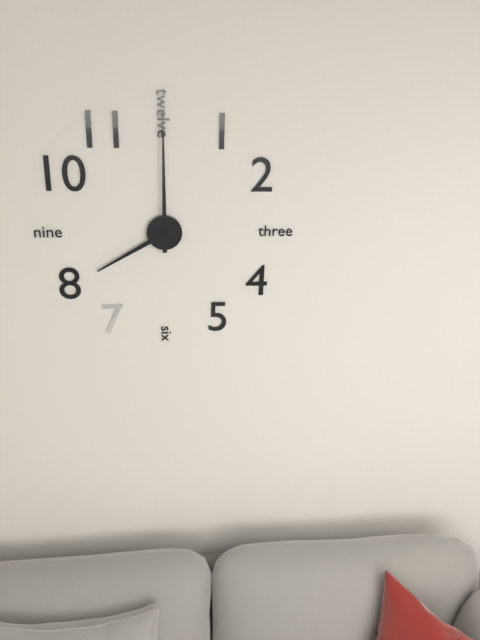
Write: 8:00
